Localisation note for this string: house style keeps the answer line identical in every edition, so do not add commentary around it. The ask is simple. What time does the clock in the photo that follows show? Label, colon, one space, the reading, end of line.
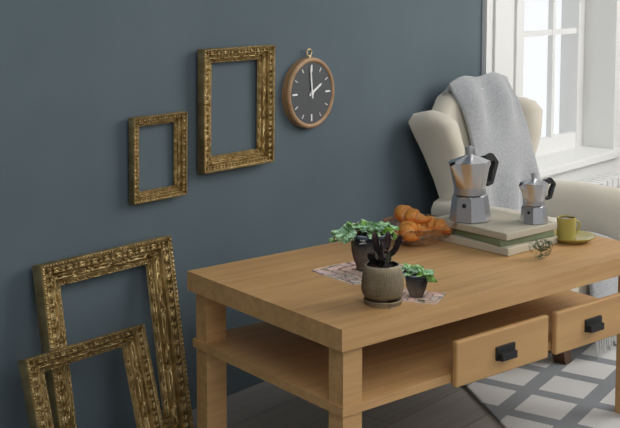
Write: 1:59
